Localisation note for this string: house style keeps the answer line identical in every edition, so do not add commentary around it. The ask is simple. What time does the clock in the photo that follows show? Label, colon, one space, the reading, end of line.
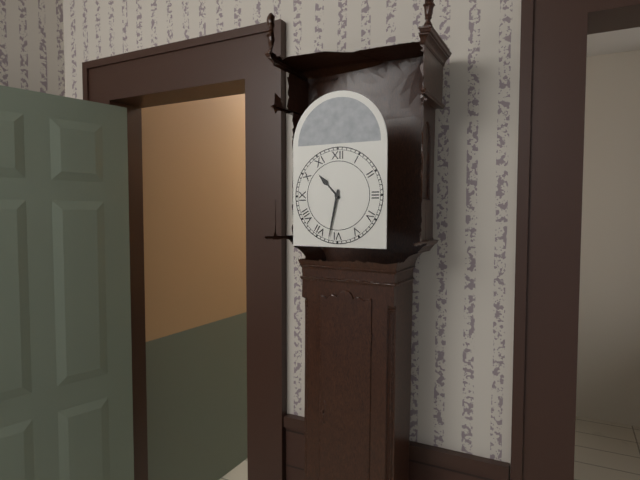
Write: 10:32
